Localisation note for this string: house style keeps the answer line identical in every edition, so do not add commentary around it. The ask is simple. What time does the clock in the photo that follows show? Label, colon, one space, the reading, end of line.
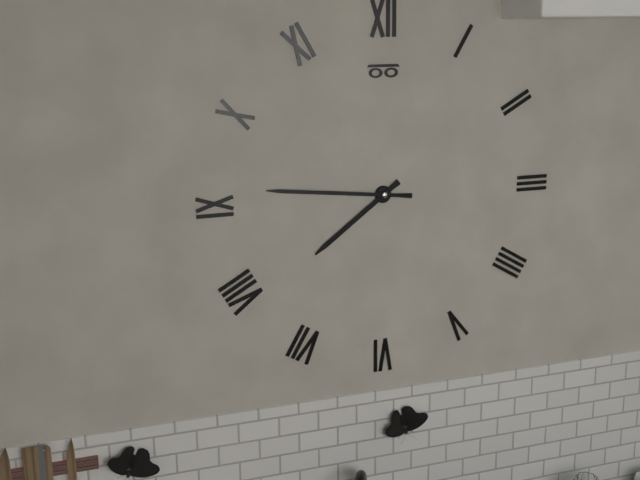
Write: 7:46
